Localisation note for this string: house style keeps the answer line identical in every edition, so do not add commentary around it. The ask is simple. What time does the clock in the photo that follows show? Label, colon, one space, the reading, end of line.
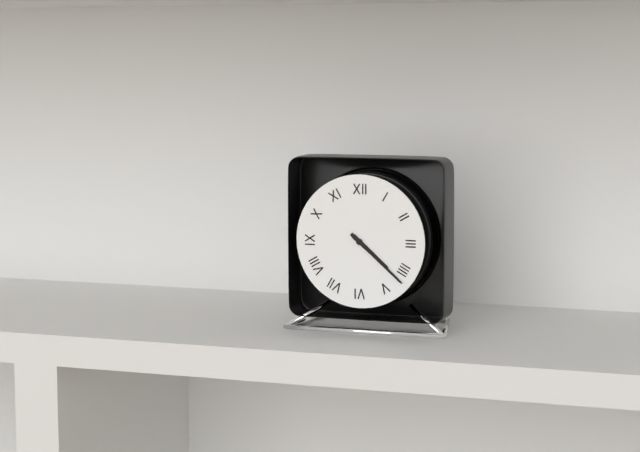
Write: 4:22
